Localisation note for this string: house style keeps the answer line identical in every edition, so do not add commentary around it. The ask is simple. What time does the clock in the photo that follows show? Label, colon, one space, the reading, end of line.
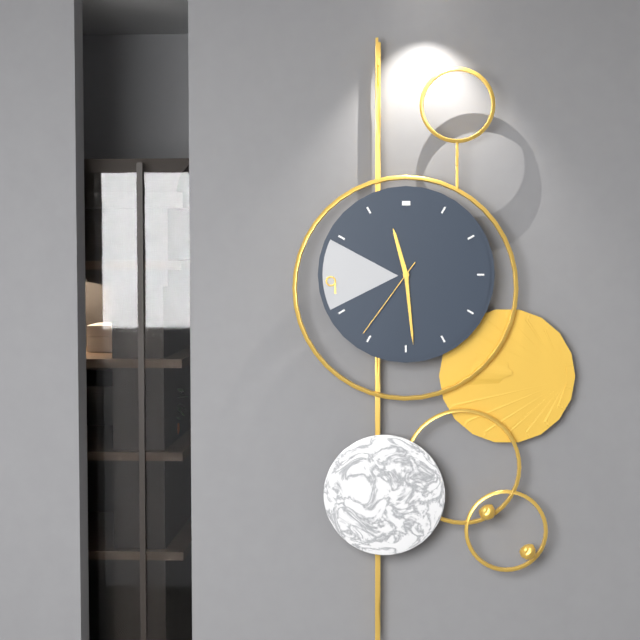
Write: 11:29:36
